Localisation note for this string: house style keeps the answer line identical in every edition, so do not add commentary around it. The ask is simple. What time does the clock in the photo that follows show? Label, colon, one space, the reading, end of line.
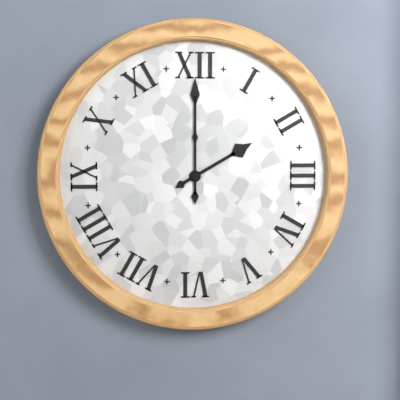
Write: 2:00
